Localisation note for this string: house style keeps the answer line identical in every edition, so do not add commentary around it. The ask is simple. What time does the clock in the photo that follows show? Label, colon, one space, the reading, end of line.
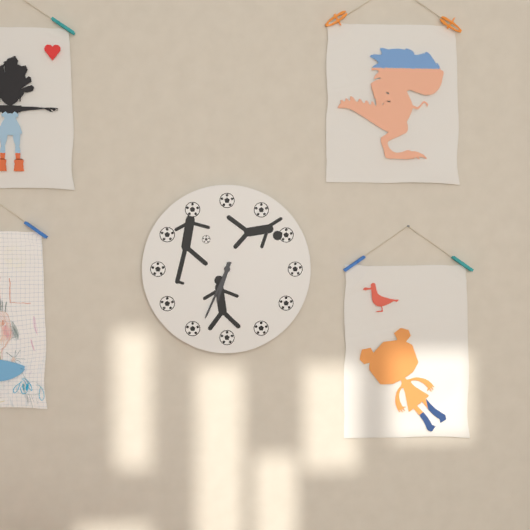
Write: 6:34
